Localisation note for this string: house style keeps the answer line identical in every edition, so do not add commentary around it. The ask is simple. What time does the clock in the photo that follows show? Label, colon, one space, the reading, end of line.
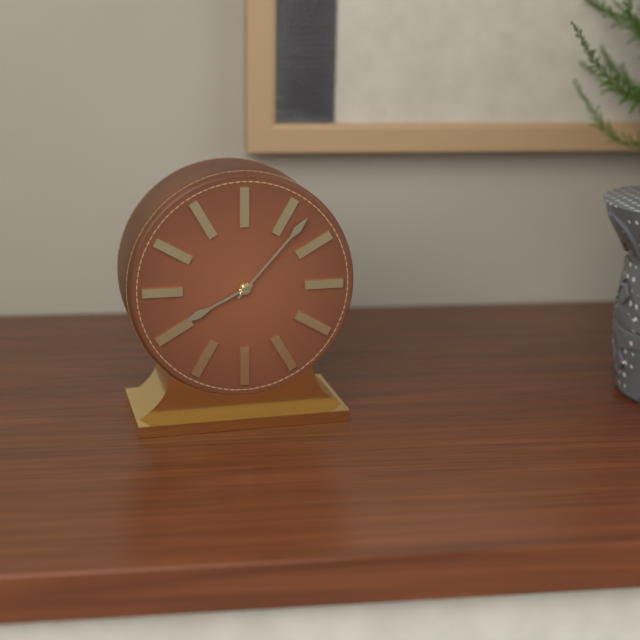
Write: 8:07
